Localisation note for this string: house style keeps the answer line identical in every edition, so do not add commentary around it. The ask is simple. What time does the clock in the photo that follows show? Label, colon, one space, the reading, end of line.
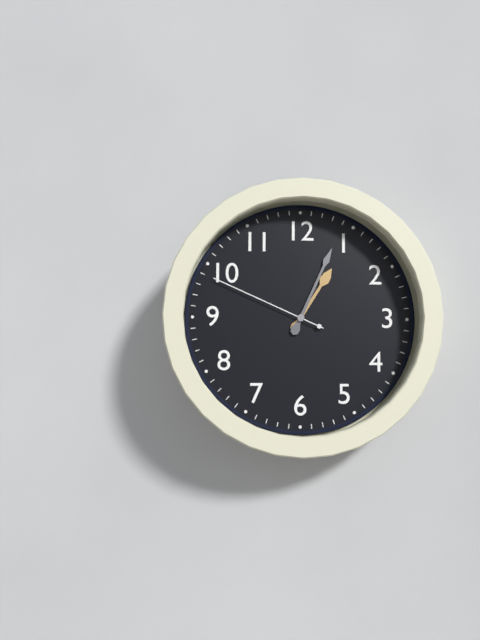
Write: 1:04:49
